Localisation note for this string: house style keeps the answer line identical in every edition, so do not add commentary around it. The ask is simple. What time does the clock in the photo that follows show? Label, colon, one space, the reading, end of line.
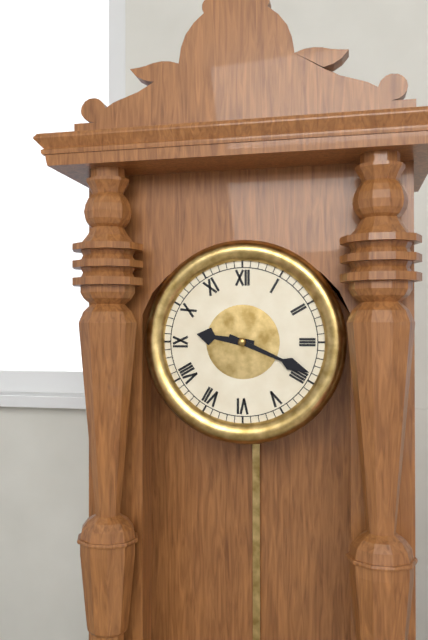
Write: 9:19
